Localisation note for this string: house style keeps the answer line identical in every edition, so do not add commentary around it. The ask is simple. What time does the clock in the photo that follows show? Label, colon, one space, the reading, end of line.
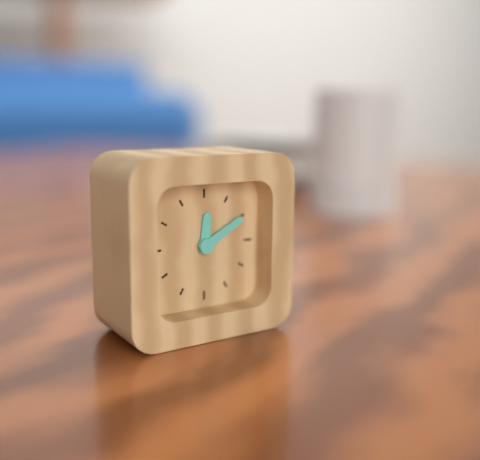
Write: 12:10
